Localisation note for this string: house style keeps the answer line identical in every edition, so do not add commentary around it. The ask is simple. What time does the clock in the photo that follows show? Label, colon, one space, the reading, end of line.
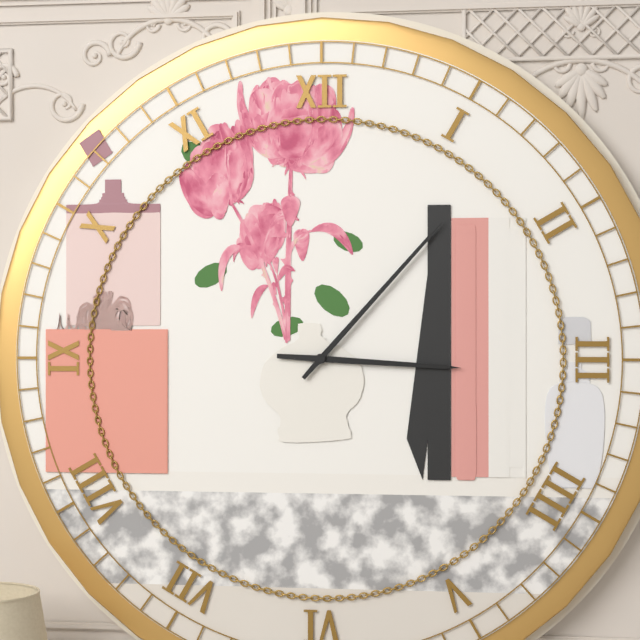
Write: 3:07
